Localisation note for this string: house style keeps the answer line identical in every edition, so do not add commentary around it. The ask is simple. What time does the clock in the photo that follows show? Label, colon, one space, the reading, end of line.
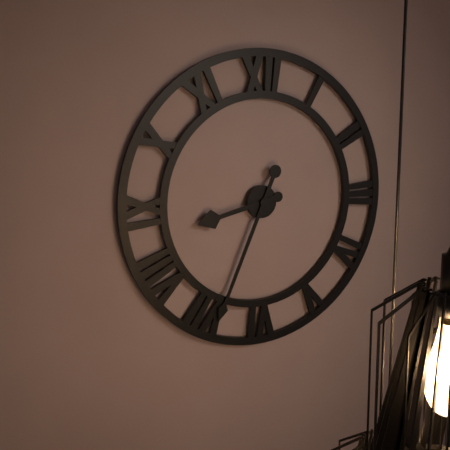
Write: 8:34
